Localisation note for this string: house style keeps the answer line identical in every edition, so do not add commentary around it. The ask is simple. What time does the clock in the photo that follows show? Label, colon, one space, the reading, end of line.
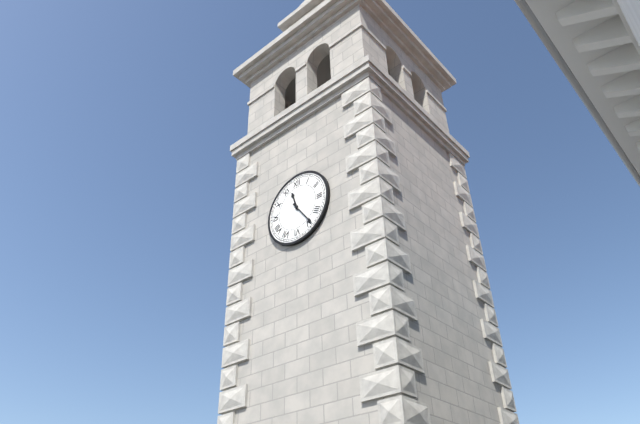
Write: 11:24
